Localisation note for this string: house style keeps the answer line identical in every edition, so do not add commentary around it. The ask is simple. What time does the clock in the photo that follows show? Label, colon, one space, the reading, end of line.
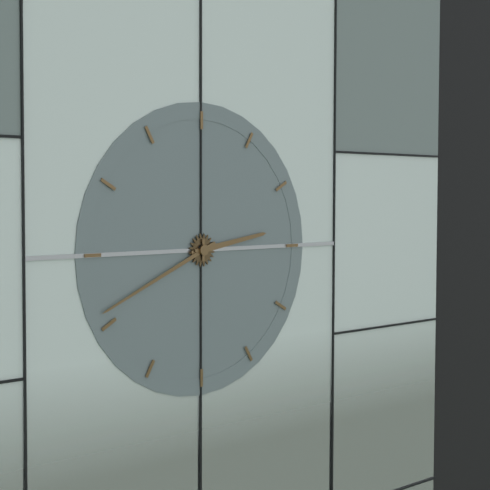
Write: 2:41
